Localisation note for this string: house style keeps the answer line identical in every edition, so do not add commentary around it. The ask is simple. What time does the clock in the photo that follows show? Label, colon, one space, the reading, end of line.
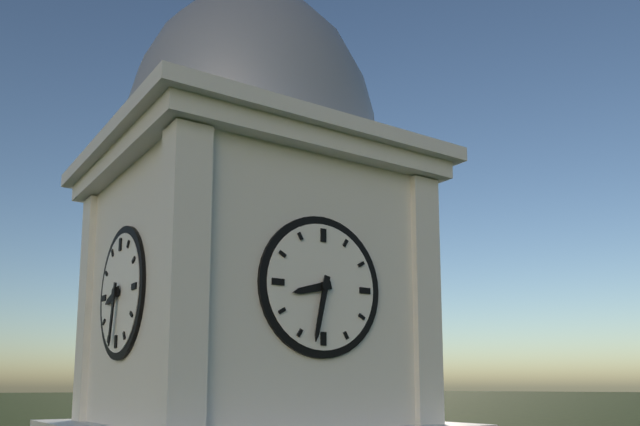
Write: 8:32
